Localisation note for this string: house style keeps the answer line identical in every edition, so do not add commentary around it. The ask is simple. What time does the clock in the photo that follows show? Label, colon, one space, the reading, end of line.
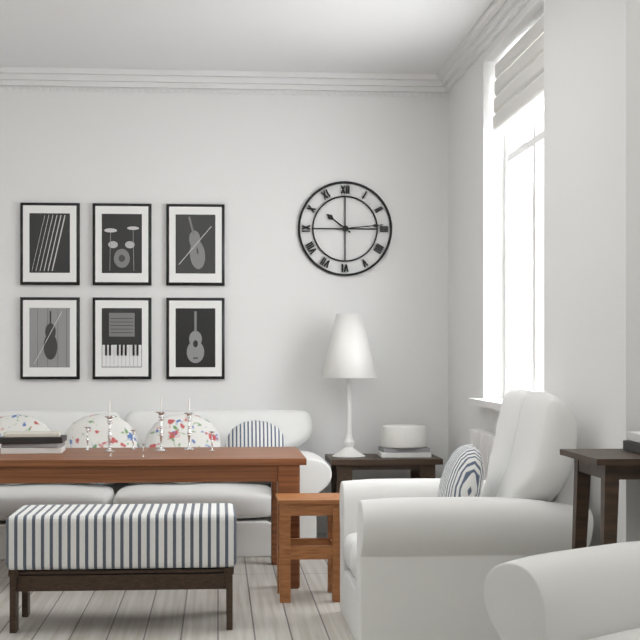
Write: 10:14
